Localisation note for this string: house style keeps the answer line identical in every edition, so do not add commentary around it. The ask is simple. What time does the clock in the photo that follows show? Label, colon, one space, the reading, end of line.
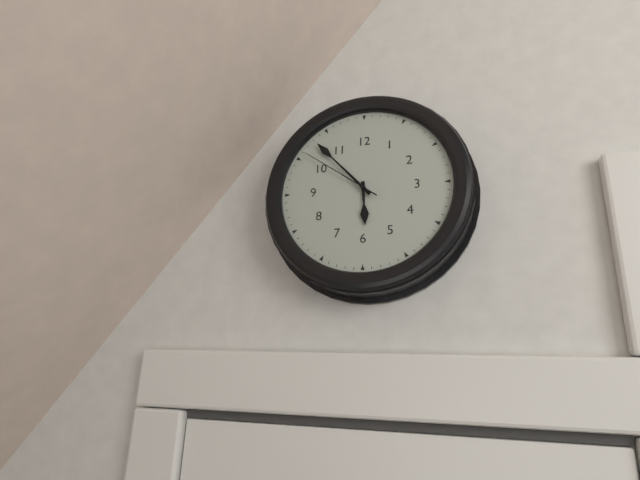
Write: 5:53:51
